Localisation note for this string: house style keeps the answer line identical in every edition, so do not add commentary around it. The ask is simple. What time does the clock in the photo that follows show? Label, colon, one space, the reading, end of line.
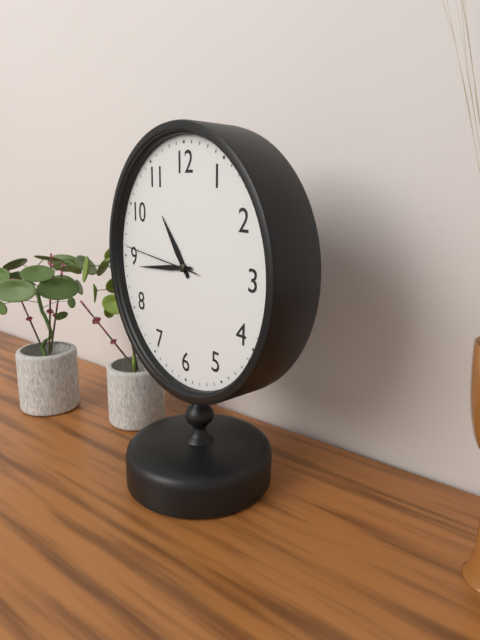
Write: 10:44:46
